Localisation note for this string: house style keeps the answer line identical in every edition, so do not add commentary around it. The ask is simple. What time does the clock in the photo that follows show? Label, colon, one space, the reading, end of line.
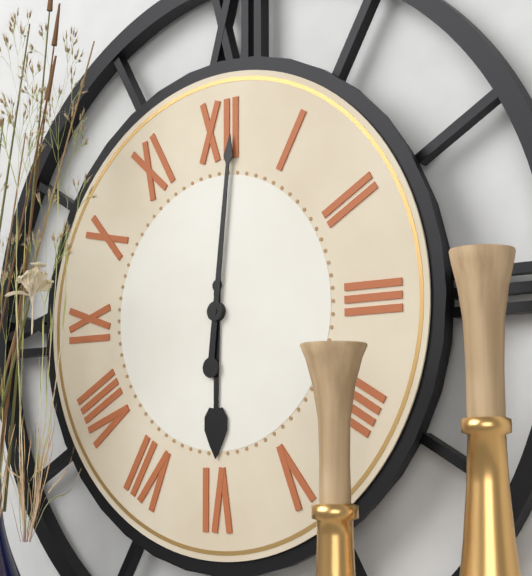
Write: 6:01
